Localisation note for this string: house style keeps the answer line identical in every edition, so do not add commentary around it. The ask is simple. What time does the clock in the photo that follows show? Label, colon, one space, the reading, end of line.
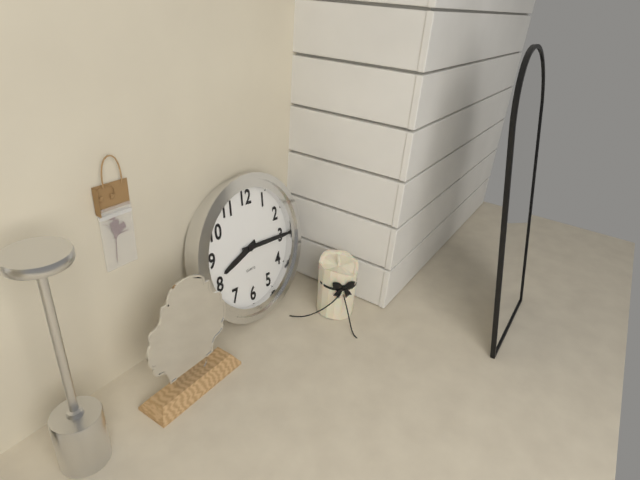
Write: 8:15
